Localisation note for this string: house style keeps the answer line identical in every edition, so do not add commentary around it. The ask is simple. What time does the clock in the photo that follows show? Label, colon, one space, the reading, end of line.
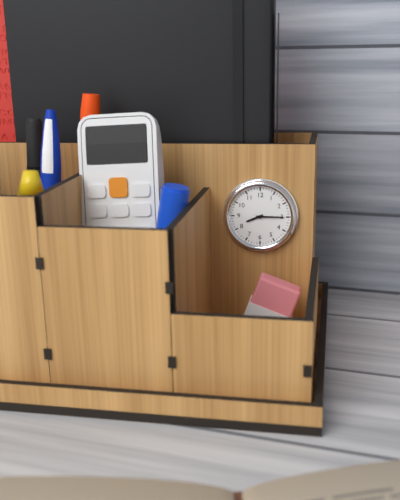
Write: 8:15
